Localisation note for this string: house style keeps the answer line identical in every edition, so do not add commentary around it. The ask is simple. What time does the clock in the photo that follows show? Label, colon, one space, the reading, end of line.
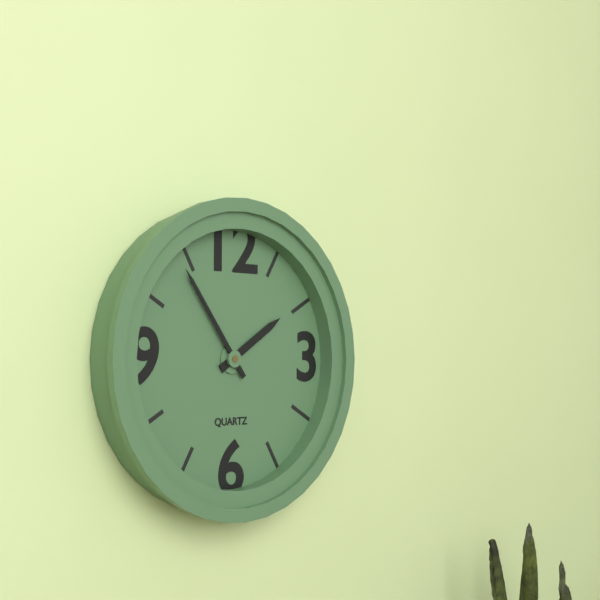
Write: 1:54
